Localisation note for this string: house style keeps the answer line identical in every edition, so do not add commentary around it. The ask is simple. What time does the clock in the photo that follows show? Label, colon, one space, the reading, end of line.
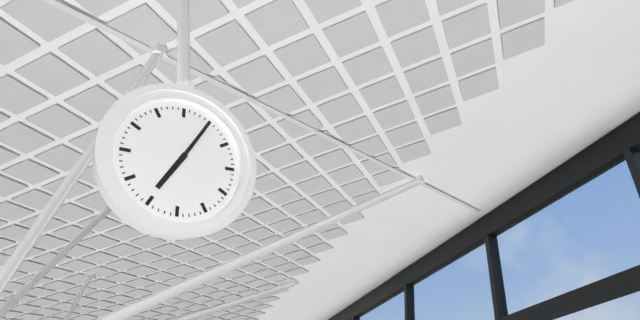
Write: 7:05
